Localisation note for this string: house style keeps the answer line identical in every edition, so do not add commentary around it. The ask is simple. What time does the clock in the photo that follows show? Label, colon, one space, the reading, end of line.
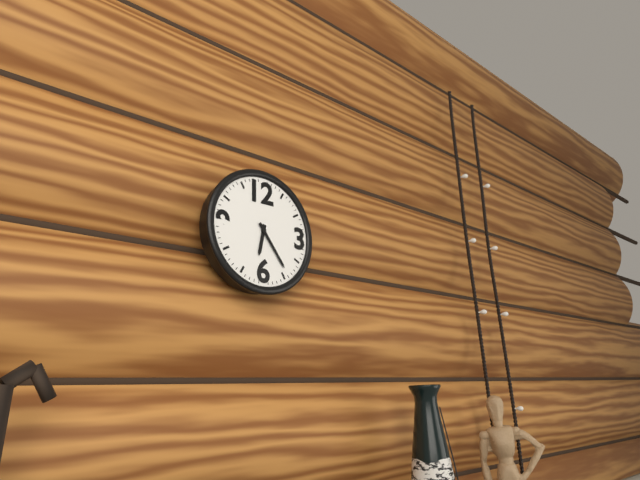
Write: 6:24
